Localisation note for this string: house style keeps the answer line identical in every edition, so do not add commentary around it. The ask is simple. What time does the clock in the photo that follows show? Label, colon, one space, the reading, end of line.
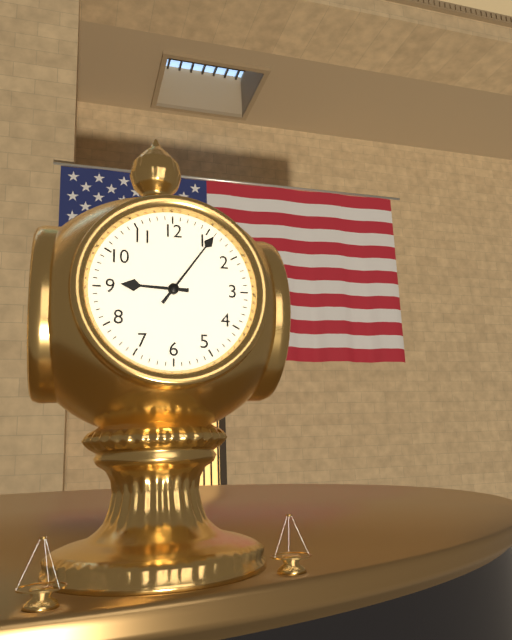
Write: 9:06
